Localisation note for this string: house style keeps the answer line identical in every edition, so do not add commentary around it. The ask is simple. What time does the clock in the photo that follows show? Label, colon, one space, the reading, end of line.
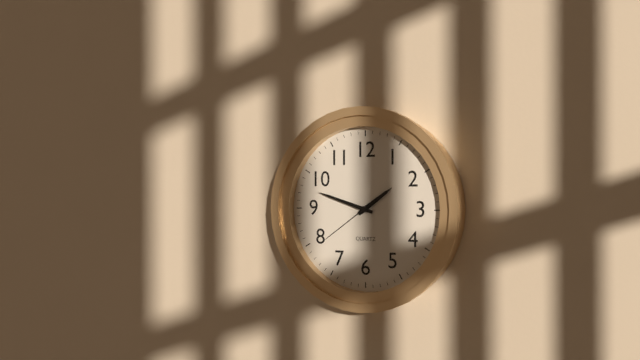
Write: 1:48:39
